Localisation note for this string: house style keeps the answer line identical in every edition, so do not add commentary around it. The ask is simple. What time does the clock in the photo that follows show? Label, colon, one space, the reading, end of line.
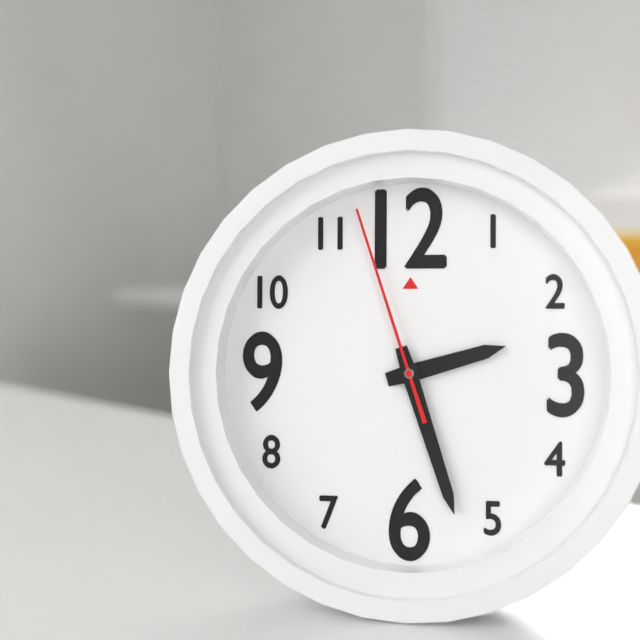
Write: 2:27:57
